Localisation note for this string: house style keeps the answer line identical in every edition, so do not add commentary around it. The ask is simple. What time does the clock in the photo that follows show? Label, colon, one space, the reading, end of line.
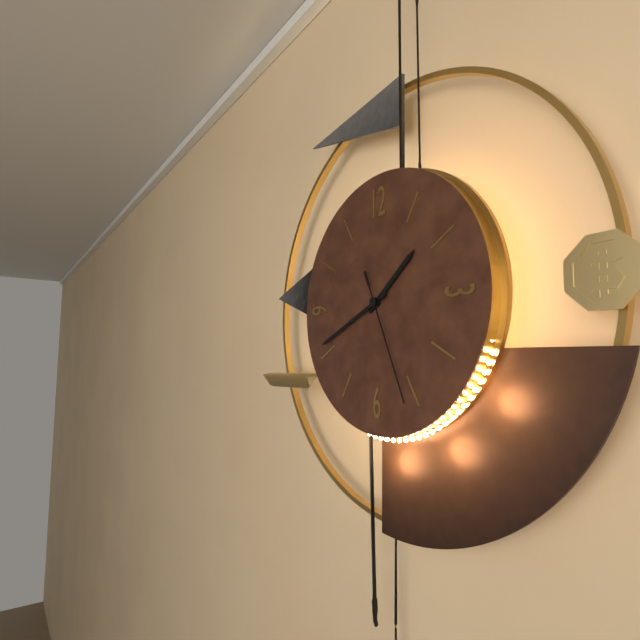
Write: 1:41:26
